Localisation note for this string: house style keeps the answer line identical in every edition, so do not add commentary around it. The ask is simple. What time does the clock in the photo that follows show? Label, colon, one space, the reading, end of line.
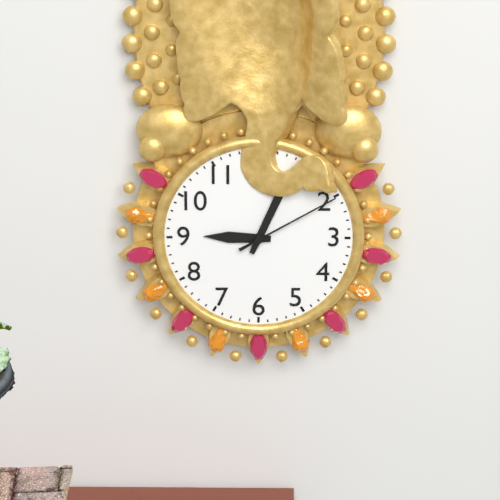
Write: 9:04:10
